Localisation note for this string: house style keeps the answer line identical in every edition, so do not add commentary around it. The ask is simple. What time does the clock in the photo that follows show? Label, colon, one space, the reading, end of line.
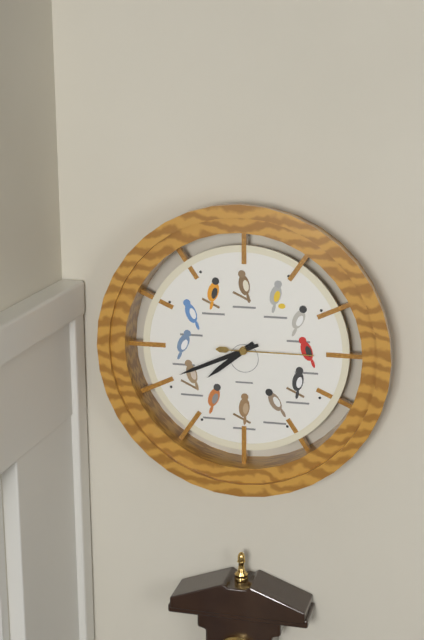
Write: 7:41:15
